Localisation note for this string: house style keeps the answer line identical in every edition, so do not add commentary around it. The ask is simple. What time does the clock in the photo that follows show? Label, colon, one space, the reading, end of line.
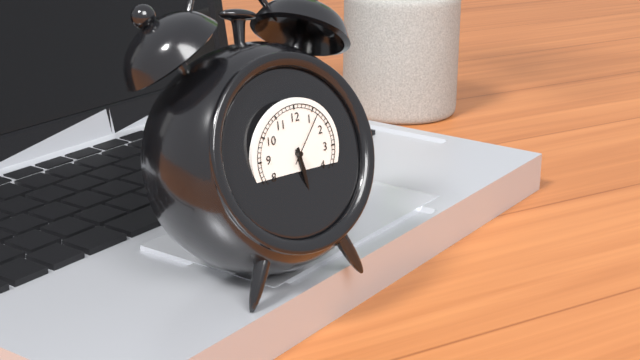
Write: 5:28:06
